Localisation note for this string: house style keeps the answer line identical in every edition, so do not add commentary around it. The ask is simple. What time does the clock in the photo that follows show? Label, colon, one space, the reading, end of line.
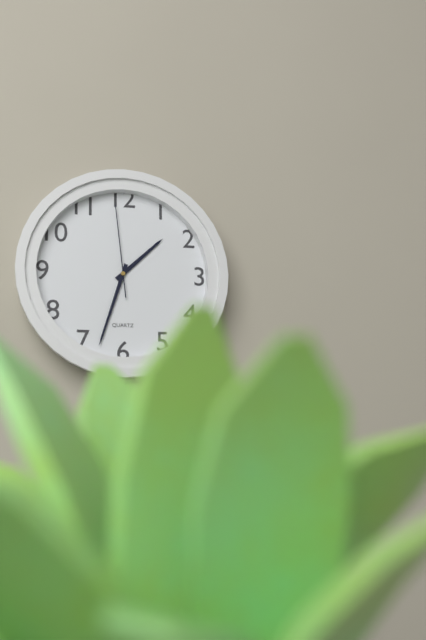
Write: 1:33:59
